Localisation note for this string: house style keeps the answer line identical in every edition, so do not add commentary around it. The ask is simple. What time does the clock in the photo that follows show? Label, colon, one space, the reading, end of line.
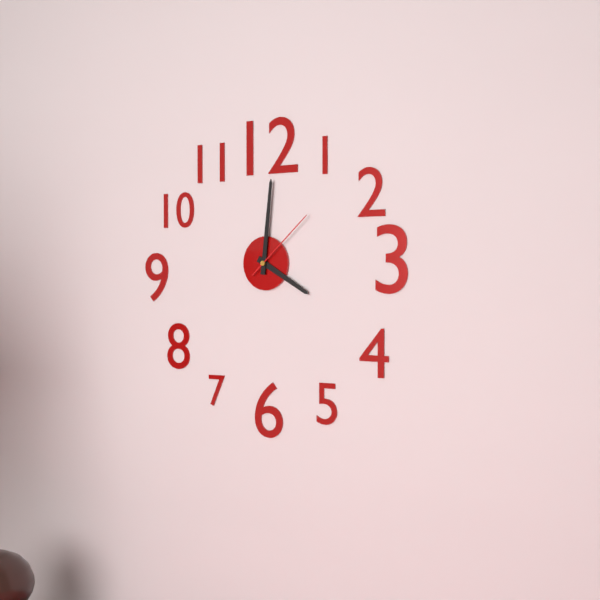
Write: 4:01:08
